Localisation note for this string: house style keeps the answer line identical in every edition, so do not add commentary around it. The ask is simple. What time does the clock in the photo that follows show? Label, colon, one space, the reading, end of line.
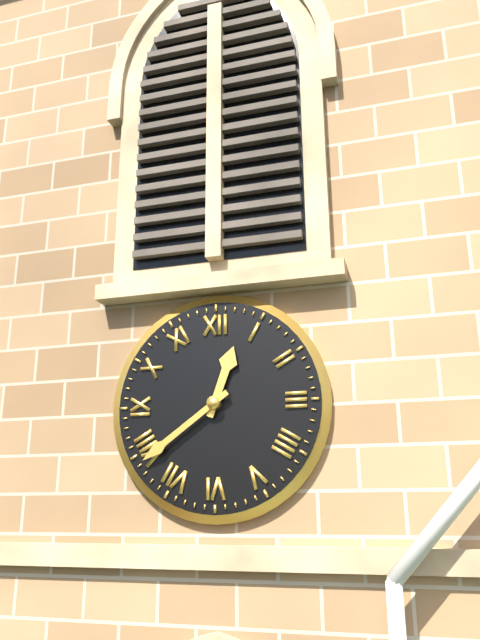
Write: 12:39
